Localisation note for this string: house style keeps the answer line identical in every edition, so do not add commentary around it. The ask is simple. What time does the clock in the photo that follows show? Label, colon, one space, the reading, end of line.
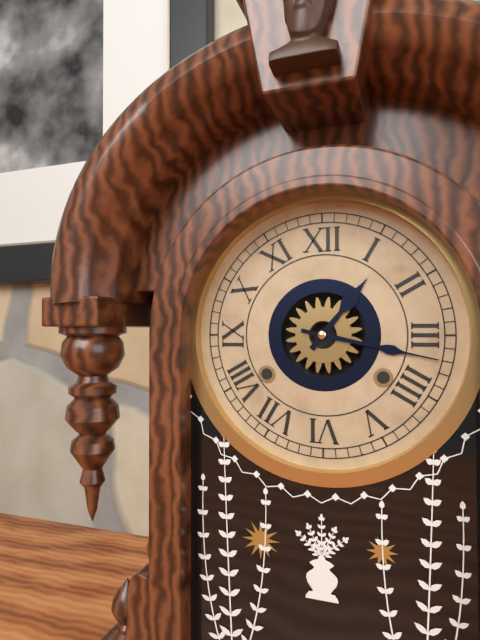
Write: 1:17
